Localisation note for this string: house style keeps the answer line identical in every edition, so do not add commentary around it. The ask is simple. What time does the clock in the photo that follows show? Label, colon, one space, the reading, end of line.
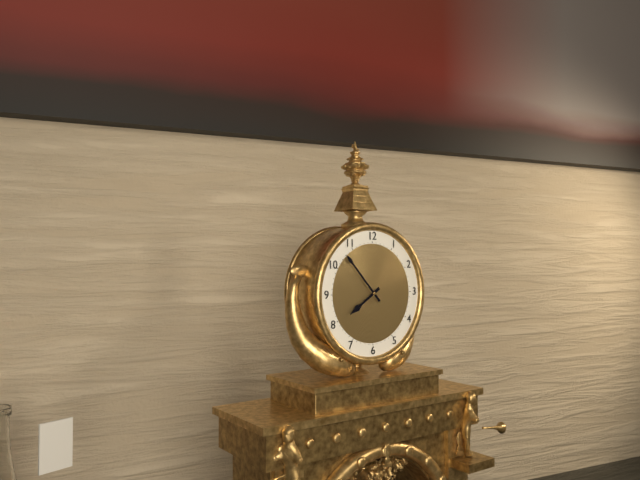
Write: 7:53
